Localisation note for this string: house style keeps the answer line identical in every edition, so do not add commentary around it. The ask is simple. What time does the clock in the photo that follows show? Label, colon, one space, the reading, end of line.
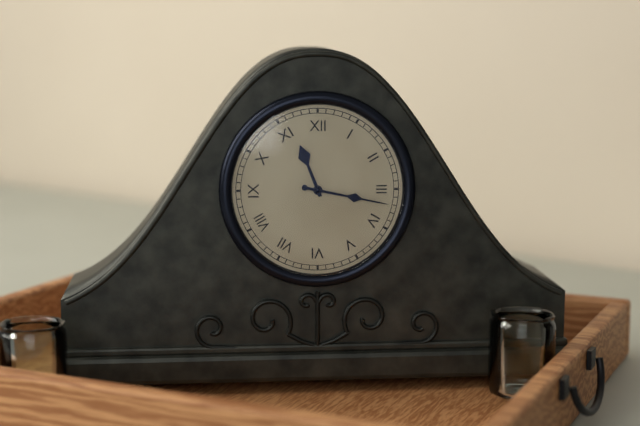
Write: 11:17
